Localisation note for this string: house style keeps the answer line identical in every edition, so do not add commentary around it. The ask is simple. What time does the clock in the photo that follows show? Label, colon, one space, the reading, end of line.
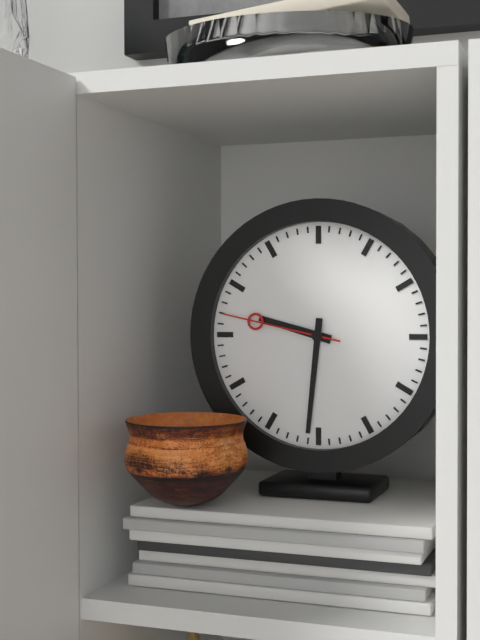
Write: 9:31:47
